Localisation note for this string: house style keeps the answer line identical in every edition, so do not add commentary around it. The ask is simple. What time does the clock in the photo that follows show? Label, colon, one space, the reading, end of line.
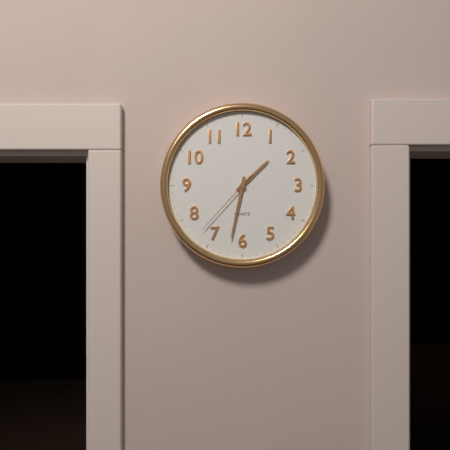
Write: 1:32:37
